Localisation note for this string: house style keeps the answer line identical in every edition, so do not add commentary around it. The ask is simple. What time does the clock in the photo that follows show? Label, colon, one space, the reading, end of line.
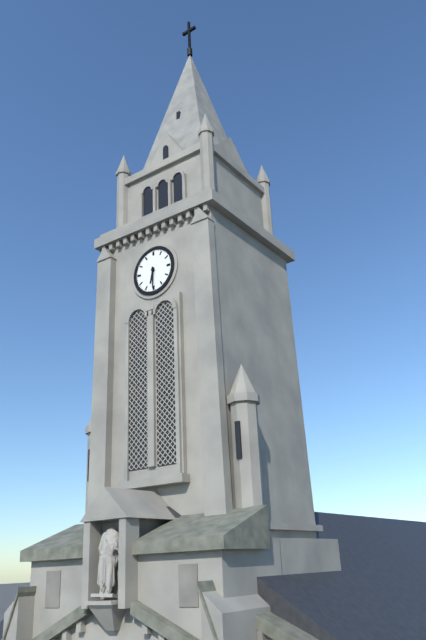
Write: 6:30
